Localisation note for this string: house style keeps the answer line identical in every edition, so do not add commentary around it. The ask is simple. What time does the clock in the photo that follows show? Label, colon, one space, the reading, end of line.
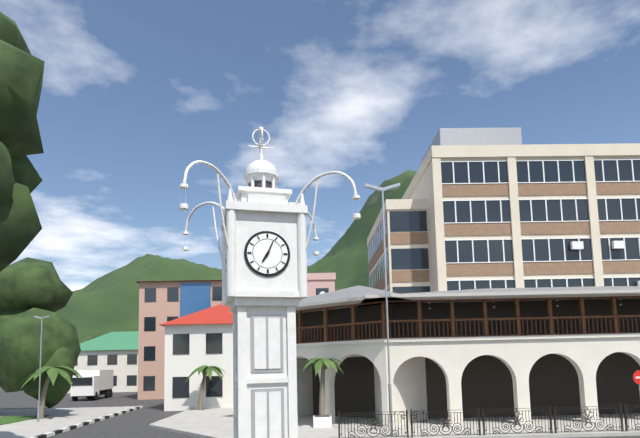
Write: 7:04
